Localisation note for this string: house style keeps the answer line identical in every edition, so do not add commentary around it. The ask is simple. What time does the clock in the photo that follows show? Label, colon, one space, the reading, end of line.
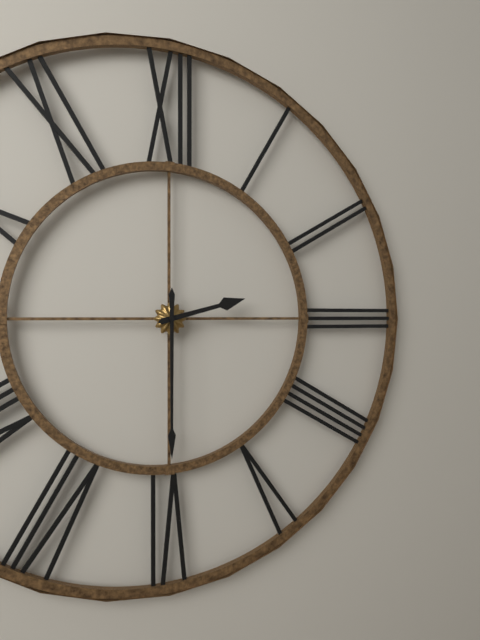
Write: 2:30
